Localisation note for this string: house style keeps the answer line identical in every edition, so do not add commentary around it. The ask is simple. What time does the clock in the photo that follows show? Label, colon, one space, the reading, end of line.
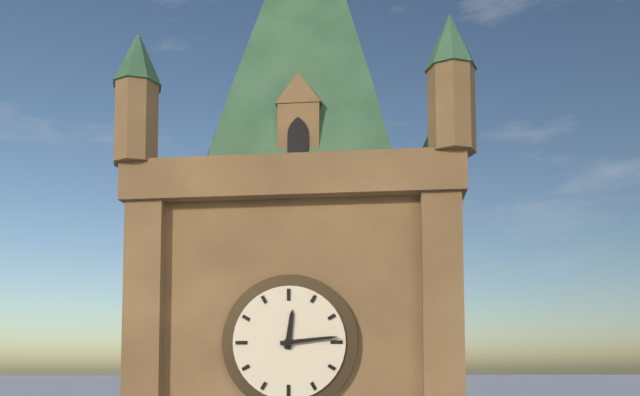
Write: 12:14
